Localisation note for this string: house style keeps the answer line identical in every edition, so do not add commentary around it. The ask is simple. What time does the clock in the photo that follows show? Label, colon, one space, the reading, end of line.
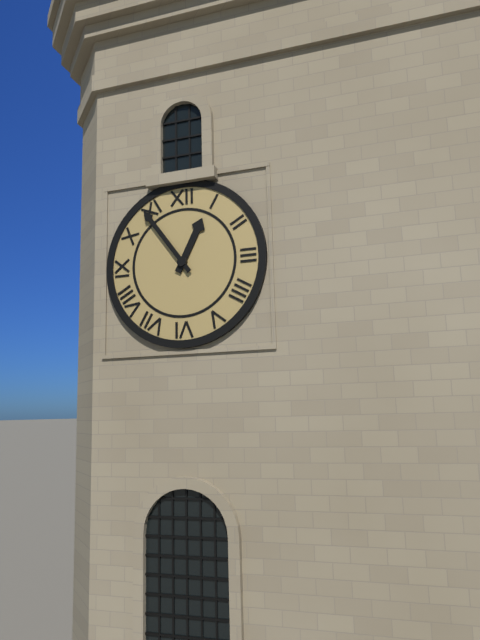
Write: 12:54
